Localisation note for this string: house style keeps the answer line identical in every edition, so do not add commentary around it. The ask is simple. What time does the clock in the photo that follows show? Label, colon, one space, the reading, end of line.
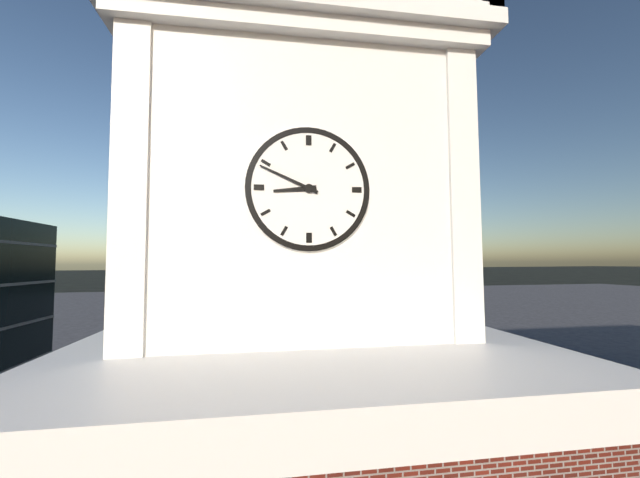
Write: 8:49
